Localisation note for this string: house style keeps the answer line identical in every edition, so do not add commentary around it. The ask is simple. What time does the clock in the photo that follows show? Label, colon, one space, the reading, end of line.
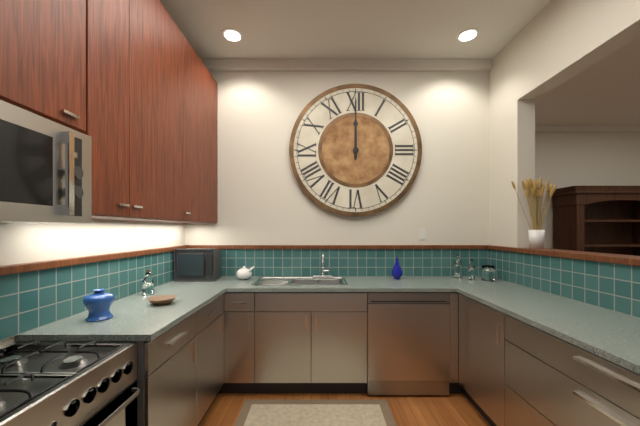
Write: 12:00
